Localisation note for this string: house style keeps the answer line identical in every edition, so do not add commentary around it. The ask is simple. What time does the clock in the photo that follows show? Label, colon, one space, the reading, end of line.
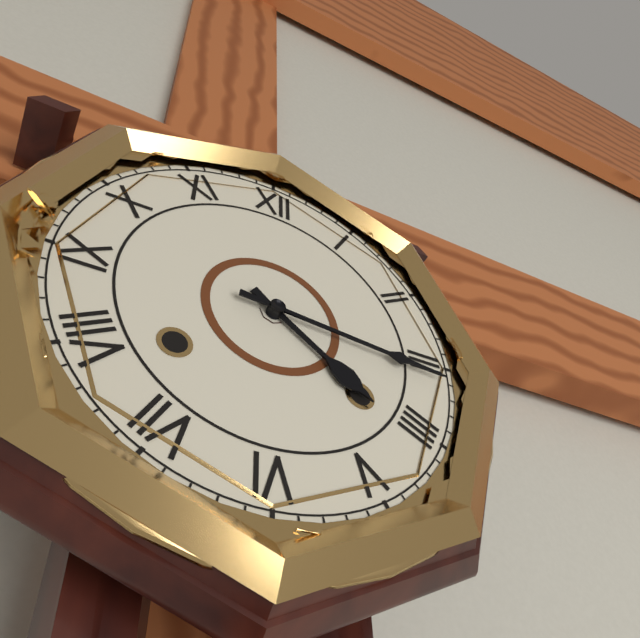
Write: 4:16
